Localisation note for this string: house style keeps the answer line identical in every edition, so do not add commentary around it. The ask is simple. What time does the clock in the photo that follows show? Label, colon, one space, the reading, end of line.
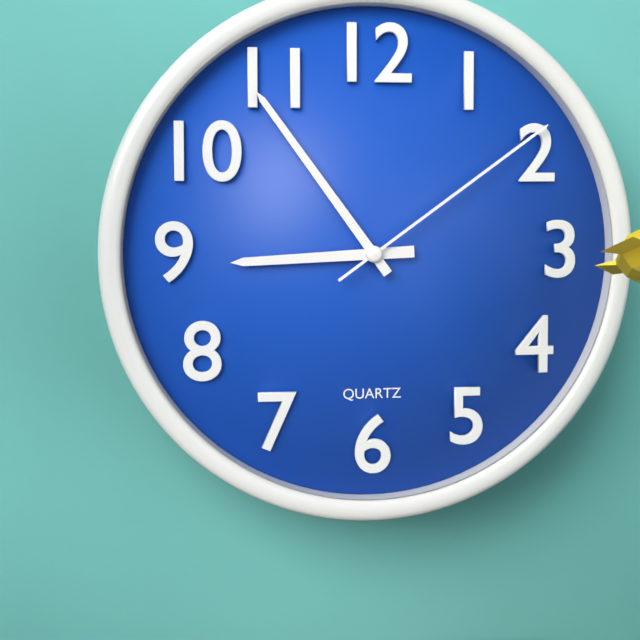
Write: 8:54:09
